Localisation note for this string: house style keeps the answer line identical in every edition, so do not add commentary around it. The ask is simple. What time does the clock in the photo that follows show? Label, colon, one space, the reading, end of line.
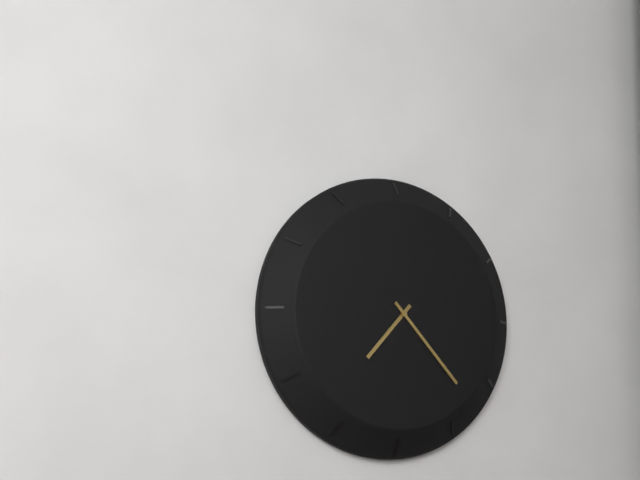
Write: 7:23
